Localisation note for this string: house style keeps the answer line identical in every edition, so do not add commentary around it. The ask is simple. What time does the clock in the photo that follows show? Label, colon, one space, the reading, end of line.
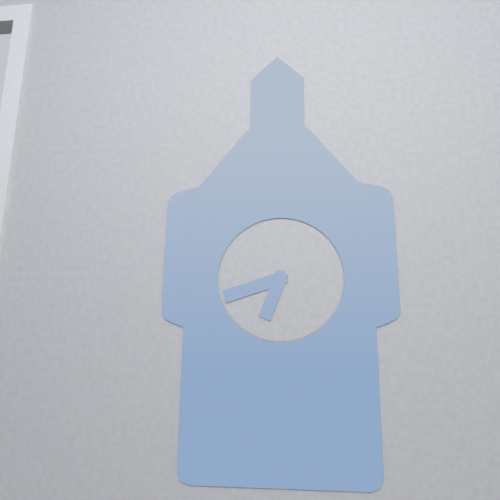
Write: 6:42
